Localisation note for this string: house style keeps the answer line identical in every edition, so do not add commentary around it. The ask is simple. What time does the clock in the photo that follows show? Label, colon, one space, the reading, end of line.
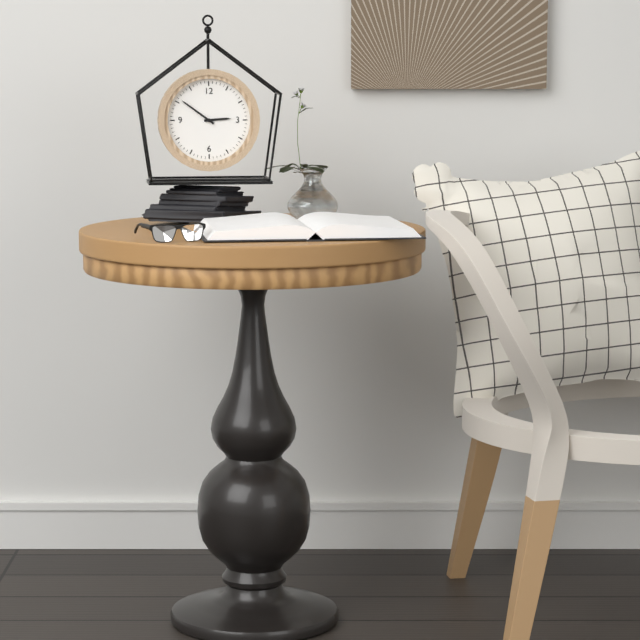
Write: 2:51
